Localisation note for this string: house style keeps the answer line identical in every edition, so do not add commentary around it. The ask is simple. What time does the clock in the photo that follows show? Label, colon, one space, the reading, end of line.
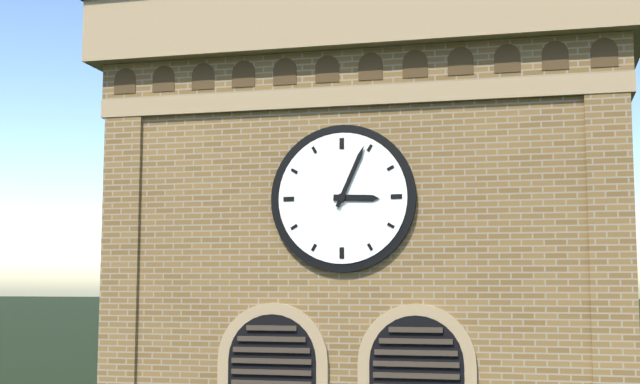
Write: 3:04
